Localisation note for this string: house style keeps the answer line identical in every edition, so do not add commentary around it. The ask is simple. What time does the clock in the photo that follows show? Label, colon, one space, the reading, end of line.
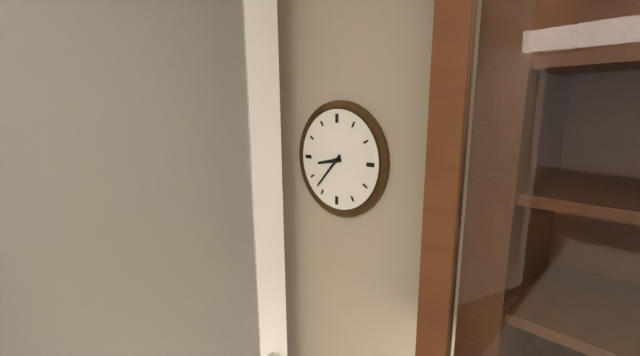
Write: 8:37
